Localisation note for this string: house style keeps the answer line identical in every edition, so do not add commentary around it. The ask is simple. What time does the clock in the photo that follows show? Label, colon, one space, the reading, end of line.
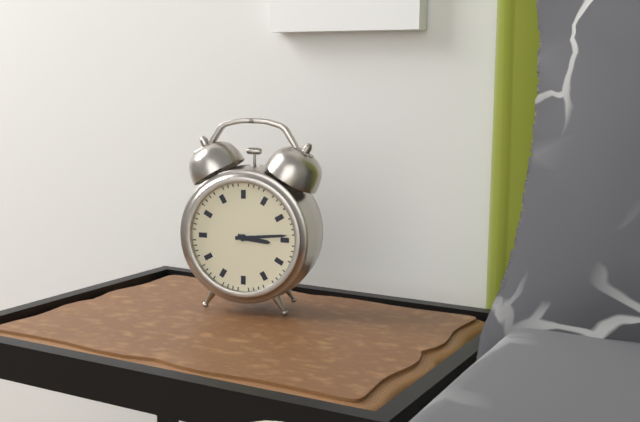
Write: 3:14
